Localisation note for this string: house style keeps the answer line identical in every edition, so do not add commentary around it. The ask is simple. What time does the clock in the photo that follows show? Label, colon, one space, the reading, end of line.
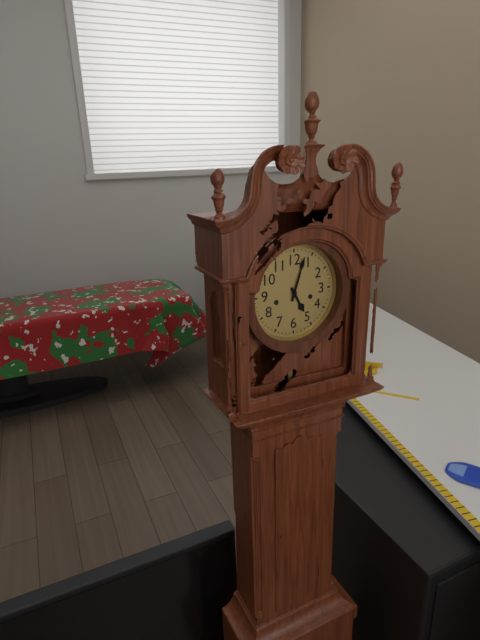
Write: 5:03
